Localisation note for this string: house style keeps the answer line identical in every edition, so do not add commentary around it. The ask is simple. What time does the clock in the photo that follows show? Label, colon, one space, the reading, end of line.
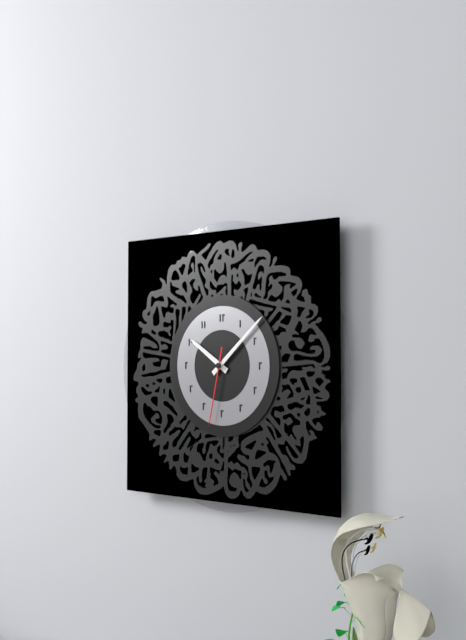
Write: 10:08:32
